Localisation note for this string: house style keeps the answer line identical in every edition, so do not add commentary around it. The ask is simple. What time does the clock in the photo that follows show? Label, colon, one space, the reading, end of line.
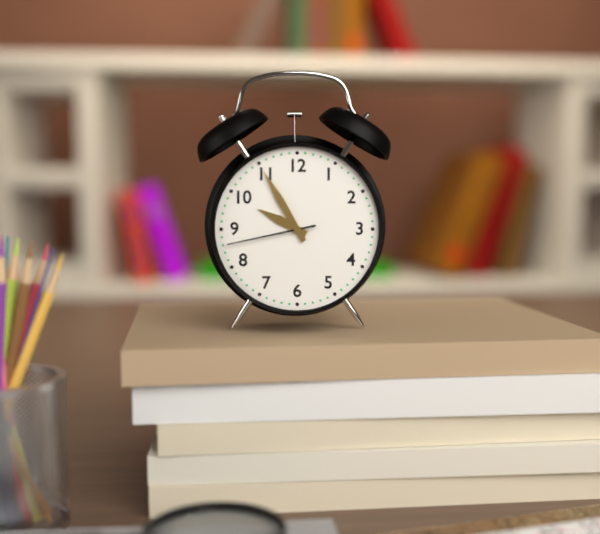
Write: 9:55:43
